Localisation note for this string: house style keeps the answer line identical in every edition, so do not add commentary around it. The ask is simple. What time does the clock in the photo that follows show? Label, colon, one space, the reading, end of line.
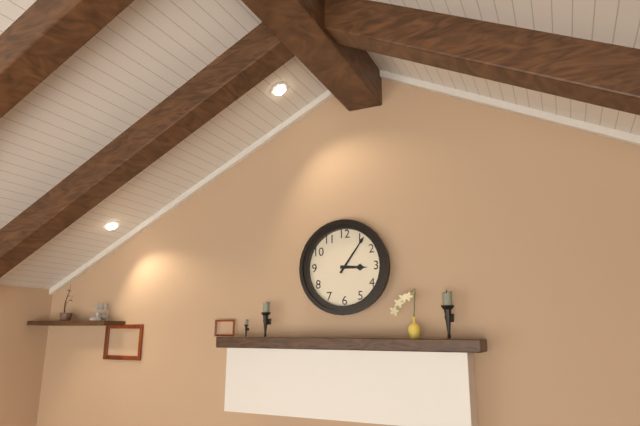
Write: 3:06
